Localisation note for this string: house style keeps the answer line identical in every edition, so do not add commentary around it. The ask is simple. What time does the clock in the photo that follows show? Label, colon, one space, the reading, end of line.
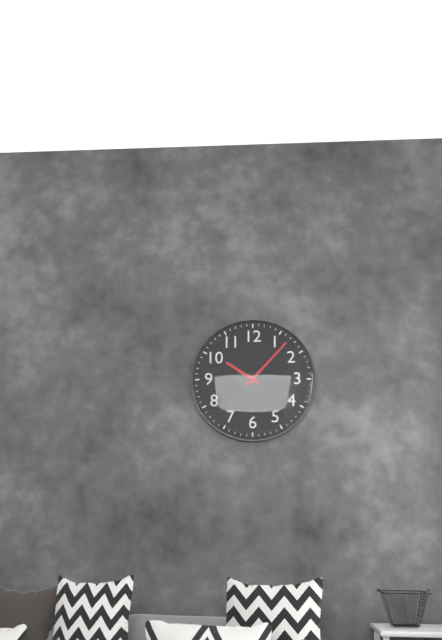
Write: 10:07
